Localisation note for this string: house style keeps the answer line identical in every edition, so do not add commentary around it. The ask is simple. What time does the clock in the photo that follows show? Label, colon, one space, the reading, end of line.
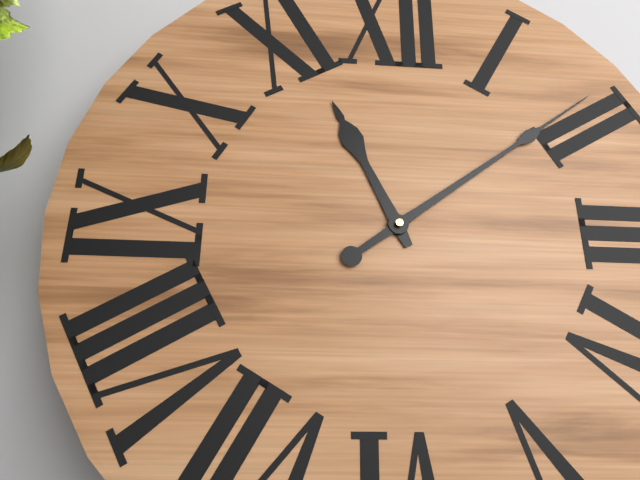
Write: 11:09
